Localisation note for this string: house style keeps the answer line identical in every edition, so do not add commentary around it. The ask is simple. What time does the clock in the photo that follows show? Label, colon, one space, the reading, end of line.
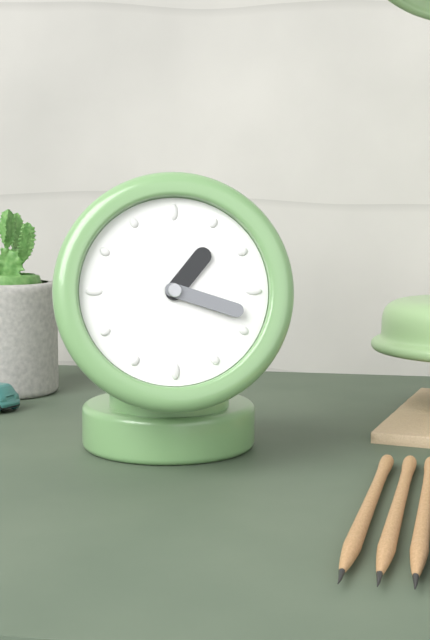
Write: 1:18
